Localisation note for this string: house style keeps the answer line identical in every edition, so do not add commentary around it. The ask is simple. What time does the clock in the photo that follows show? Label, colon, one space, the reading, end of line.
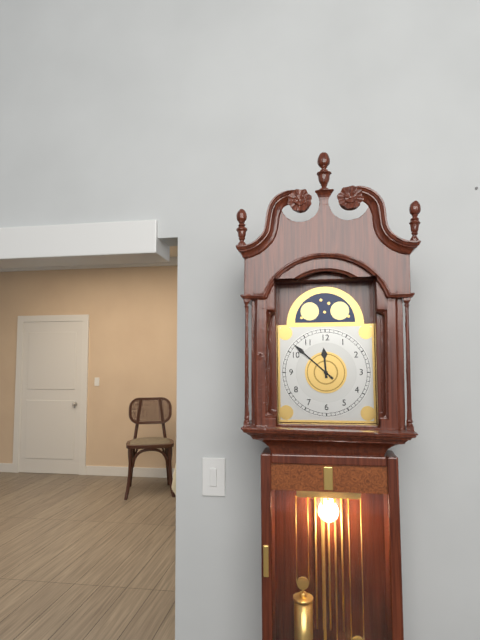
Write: 11:52
